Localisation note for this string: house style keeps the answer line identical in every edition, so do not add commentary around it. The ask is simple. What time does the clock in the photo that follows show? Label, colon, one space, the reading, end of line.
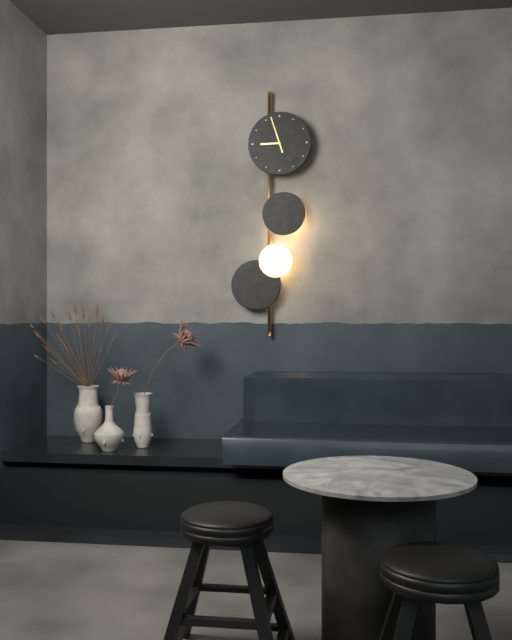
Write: 8:57
